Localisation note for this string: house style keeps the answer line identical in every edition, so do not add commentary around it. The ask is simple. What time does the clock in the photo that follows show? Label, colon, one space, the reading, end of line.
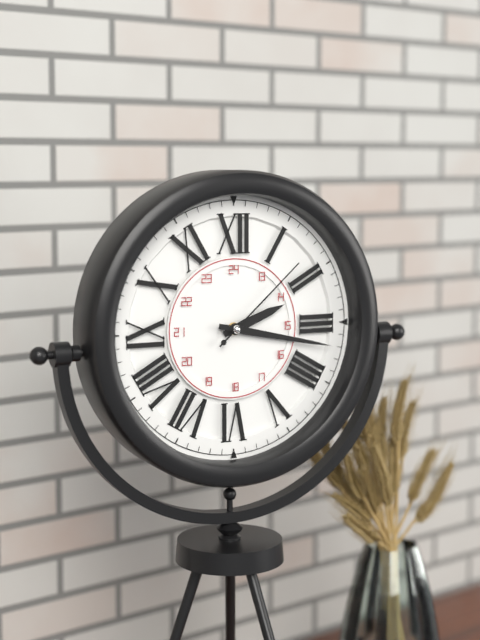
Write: 2:17:08
